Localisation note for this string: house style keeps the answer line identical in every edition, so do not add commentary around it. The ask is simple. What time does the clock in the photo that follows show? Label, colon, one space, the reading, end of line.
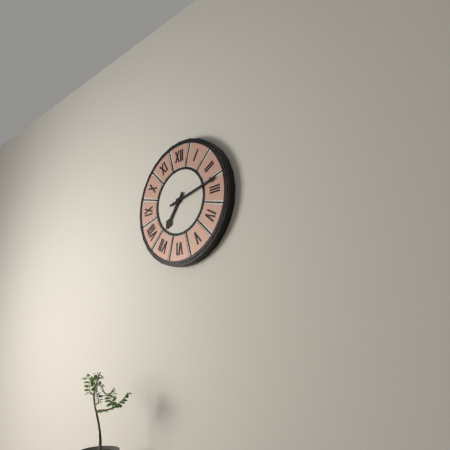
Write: 7:13
